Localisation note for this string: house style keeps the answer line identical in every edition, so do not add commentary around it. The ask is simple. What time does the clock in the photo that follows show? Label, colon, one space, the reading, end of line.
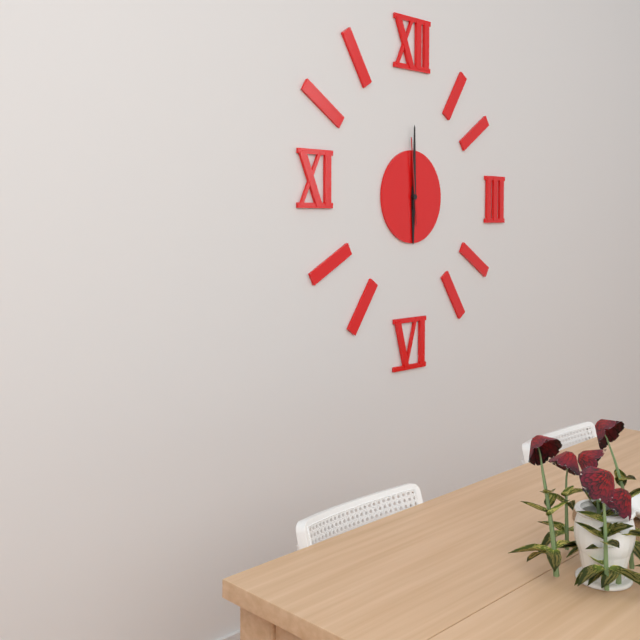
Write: 6:00:59
